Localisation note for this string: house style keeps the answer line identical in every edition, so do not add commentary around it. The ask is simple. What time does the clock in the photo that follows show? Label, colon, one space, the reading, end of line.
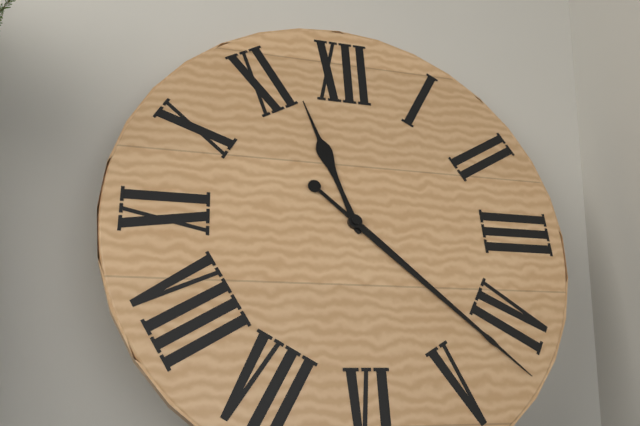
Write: 11:22
